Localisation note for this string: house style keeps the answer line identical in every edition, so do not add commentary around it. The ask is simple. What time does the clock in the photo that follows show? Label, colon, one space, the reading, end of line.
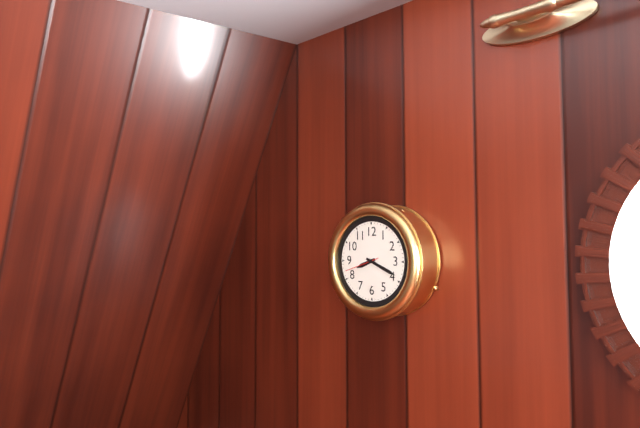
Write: 8:19
